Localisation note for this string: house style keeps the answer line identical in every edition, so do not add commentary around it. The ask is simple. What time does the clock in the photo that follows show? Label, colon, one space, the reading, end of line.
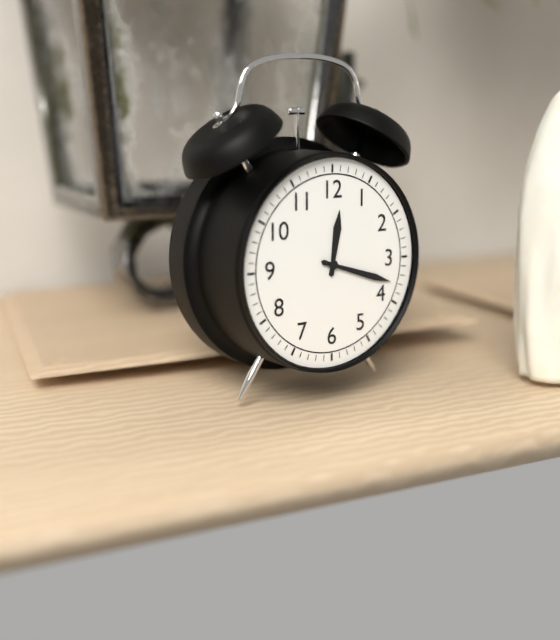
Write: 12:18
